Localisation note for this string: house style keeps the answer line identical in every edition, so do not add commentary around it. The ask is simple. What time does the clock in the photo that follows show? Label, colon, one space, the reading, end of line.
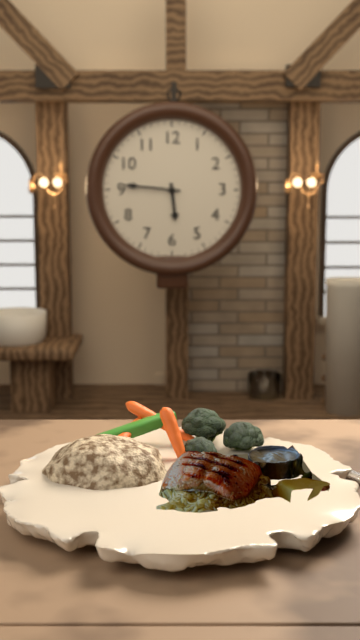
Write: 5:46
